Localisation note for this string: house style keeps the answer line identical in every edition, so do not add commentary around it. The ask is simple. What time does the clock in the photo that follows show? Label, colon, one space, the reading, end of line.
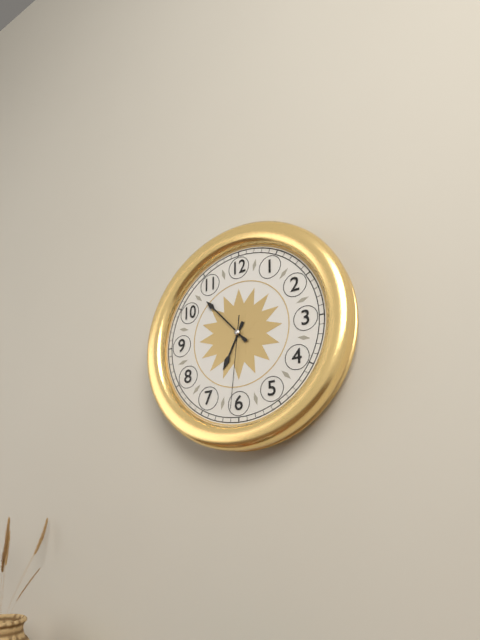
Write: 6:53:31
